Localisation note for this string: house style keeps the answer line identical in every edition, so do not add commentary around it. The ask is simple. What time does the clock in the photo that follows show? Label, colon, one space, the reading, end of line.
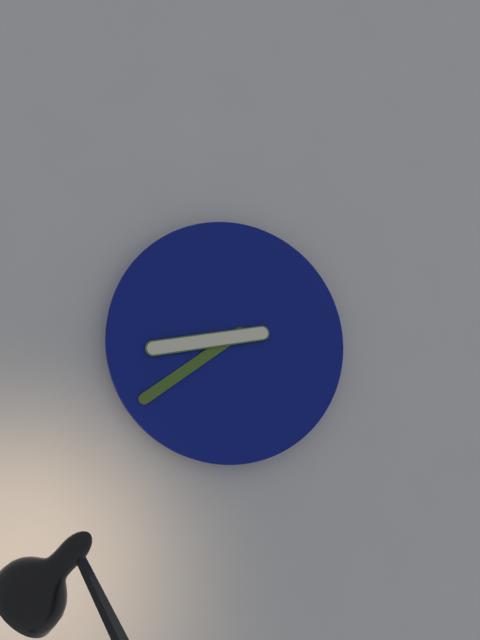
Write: 8:39
